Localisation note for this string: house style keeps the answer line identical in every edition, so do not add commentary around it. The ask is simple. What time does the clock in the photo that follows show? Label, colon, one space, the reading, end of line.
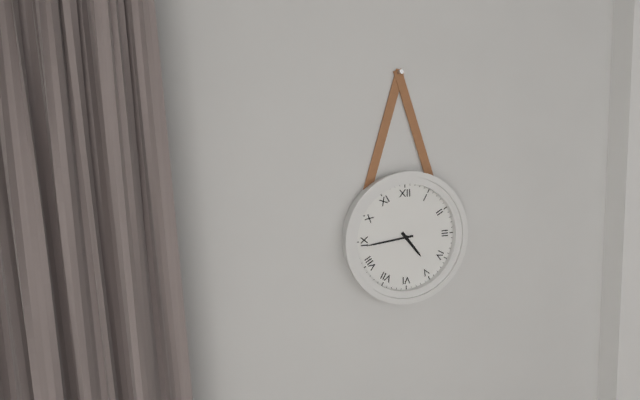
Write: 4:44
